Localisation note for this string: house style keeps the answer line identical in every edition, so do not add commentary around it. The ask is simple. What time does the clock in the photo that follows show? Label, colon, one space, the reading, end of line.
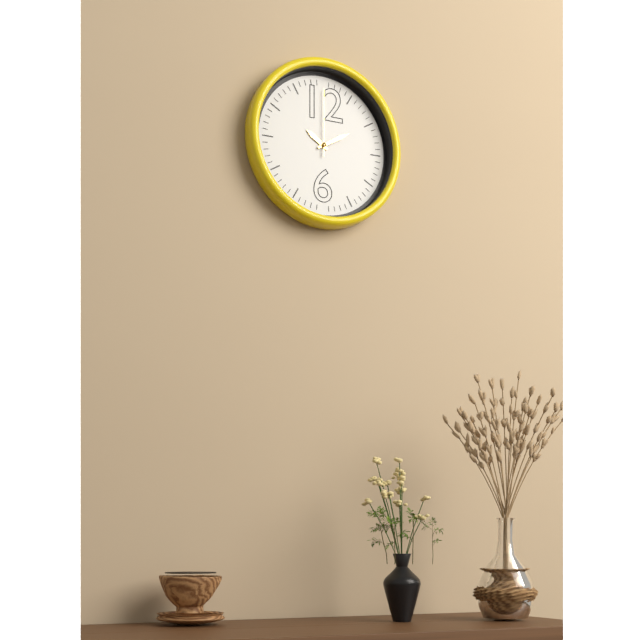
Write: 10:10:00
